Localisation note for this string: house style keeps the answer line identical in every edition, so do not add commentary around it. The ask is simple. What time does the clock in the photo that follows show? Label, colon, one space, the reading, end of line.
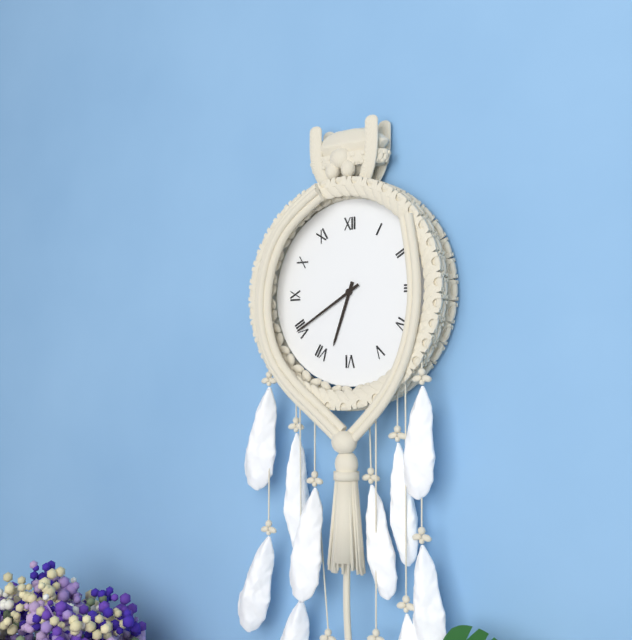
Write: 6:40
